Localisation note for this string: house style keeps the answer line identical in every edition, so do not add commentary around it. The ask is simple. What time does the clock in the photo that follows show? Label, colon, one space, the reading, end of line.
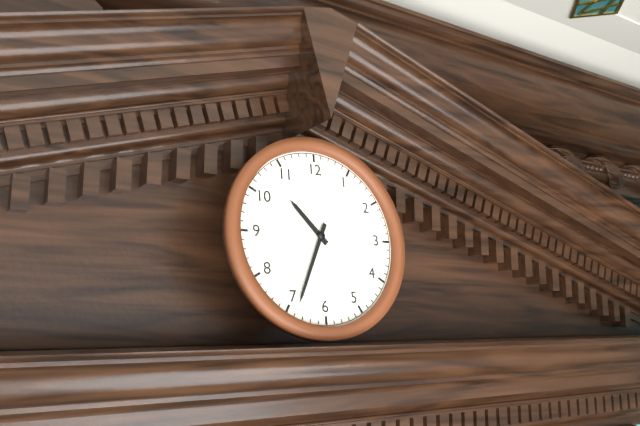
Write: 10:34
